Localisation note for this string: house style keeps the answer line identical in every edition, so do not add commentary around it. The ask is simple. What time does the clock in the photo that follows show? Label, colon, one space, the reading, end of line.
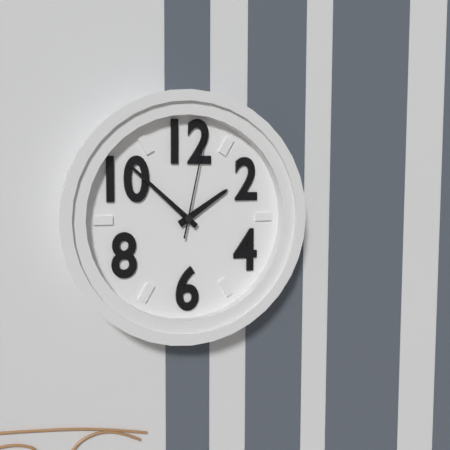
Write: 1:52:02
